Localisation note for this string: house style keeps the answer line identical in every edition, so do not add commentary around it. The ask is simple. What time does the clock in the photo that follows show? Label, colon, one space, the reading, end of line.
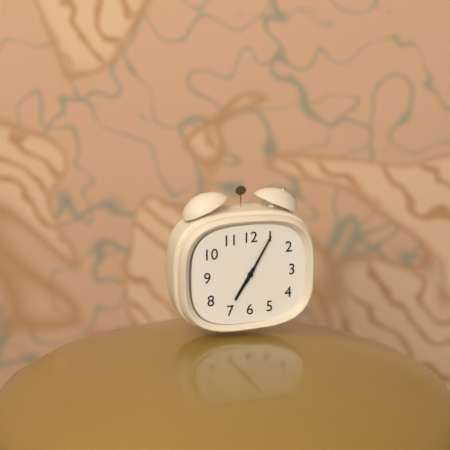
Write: 7:05
